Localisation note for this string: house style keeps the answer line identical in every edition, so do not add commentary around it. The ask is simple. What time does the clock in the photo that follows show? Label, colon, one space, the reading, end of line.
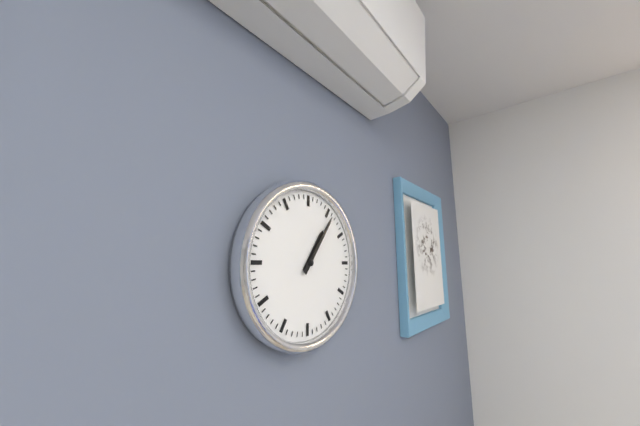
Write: 1:06
